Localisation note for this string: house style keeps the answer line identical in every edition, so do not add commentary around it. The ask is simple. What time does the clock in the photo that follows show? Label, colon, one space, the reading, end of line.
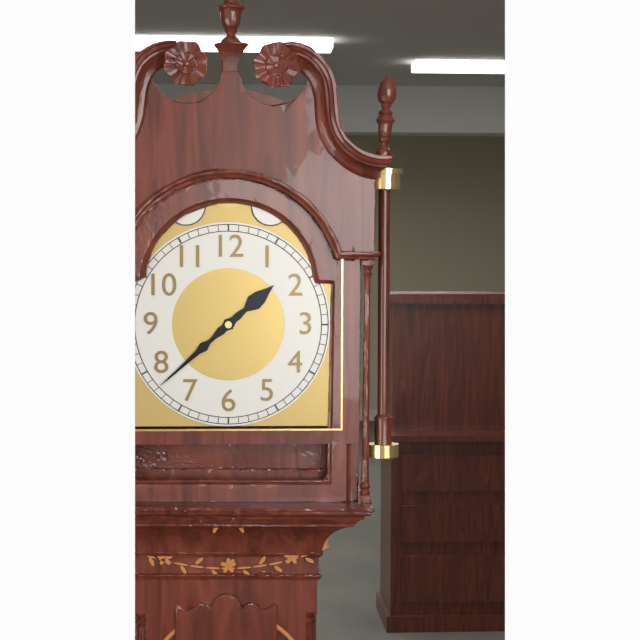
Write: 1:38
